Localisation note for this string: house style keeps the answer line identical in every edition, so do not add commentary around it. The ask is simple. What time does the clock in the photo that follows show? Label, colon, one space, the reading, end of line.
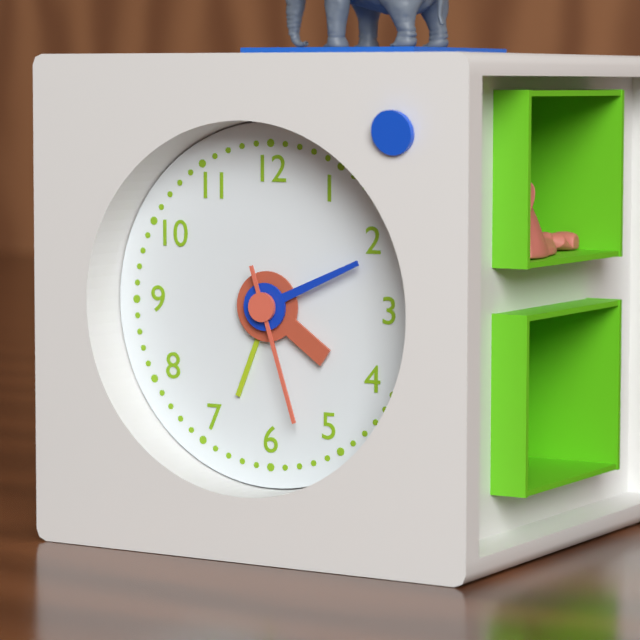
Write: 4:11:27
